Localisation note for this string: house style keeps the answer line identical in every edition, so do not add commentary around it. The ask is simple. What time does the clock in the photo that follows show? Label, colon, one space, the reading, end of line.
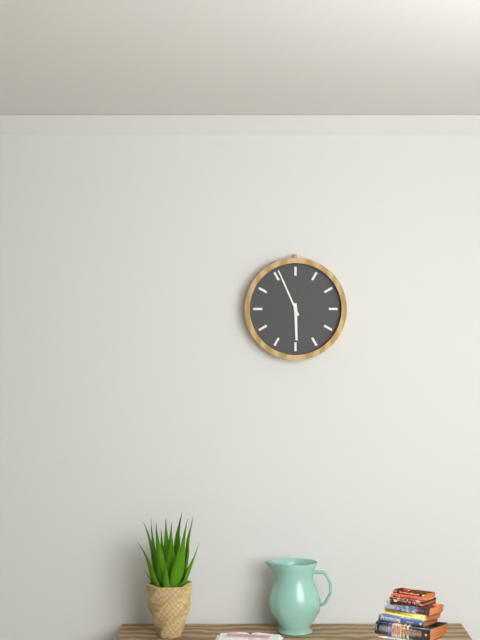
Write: 5:56
